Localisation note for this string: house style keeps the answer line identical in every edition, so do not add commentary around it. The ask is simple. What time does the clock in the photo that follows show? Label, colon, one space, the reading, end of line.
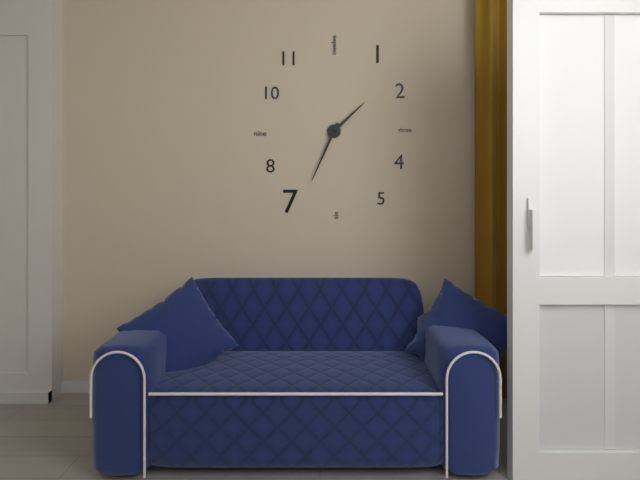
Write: 1:34
